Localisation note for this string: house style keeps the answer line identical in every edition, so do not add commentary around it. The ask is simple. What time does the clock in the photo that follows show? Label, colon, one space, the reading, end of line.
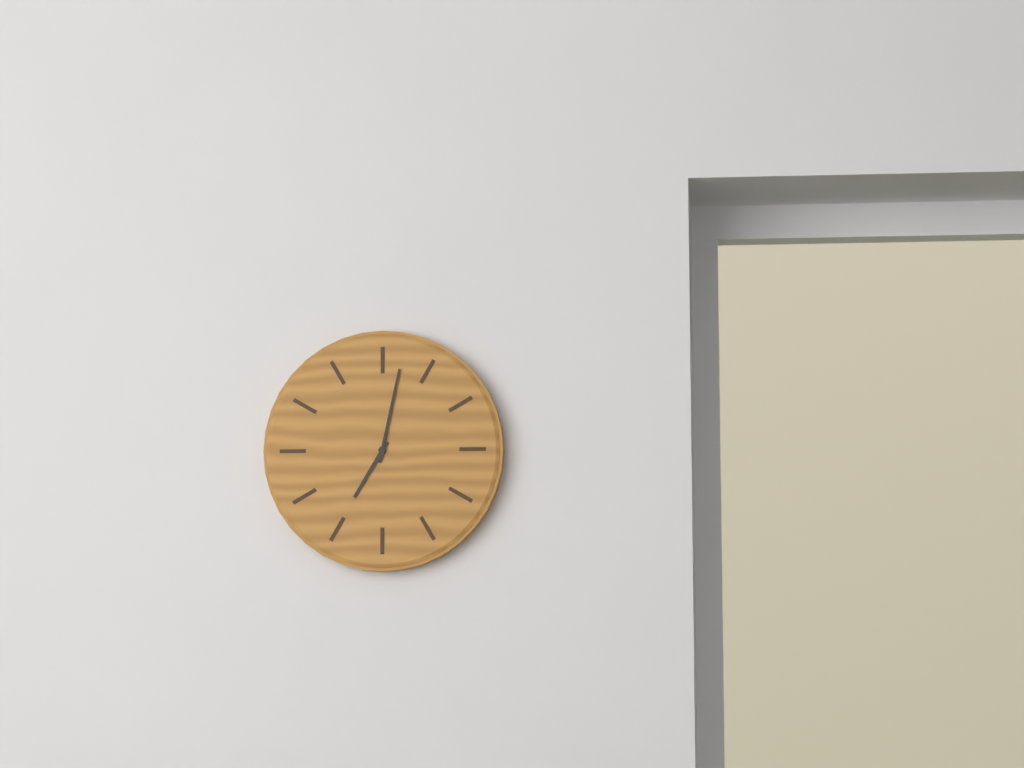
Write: 7:02
